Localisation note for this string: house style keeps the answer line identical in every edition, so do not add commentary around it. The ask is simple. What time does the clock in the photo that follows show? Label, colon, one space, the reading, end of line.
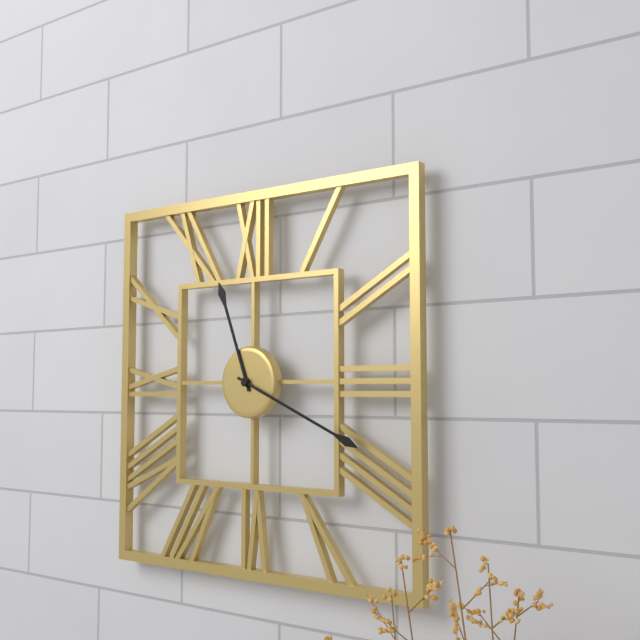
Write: 11:19
